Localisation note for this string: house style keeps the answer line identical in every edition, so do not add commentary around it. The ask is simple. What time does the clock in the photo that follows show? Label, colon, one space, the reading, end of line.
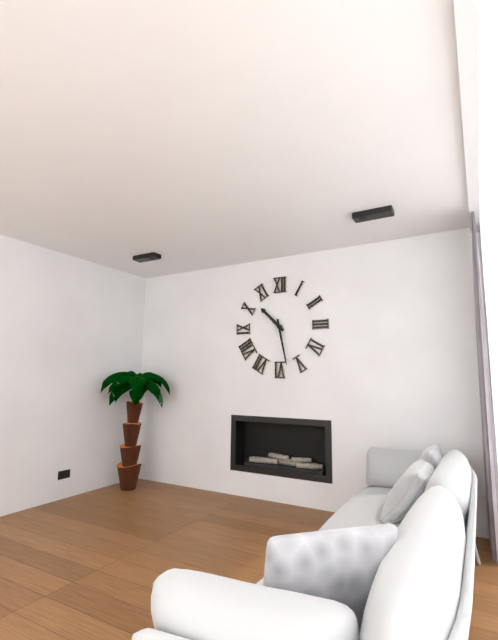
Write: 10:28
